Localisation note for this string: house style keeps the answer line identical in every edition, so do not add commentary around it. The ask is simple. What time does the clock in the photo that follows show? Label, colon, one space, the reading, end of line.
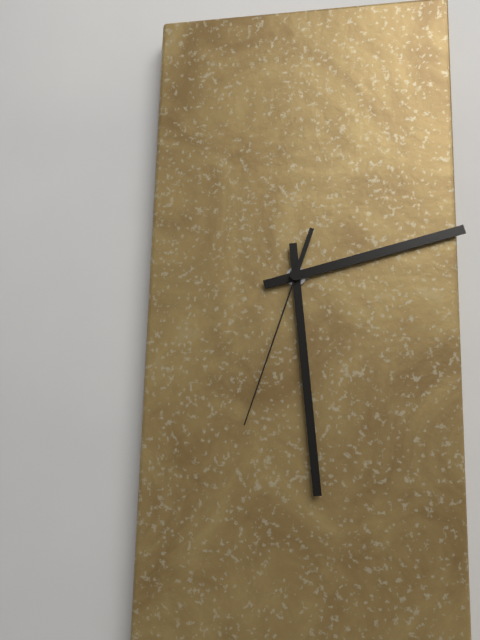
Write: 2:29:33
